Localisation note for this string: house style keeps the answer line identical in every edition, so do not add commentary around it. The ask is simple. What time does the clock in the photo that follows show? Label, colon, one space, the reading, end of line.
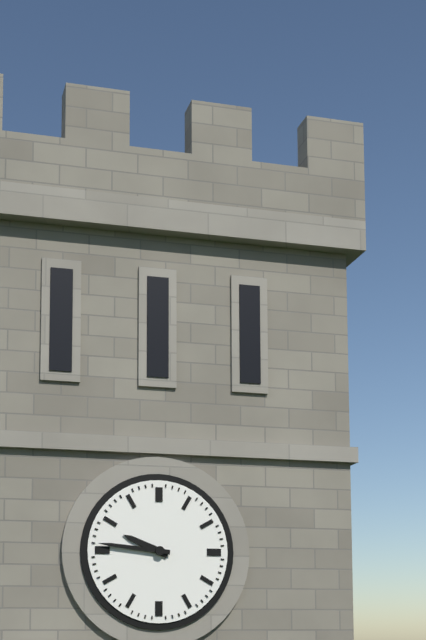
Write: 9:46
